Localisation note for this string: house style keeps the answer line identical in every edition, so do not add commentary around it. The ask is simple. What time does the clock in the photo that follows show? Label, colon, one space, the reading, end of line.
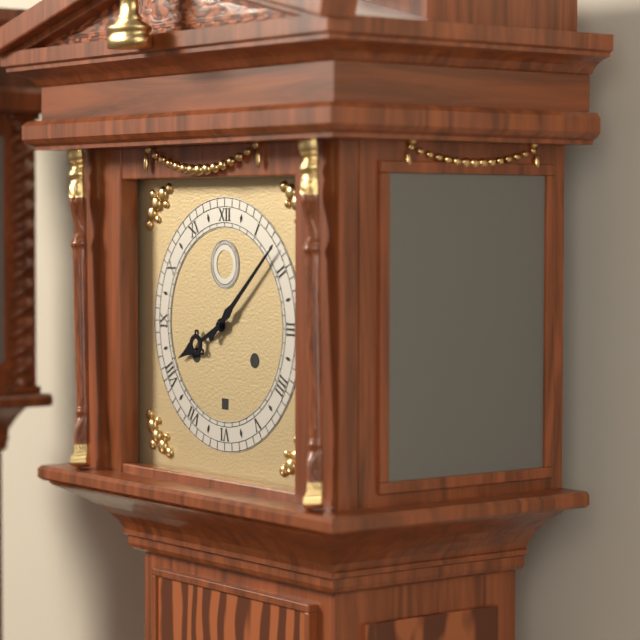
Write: 8:08
